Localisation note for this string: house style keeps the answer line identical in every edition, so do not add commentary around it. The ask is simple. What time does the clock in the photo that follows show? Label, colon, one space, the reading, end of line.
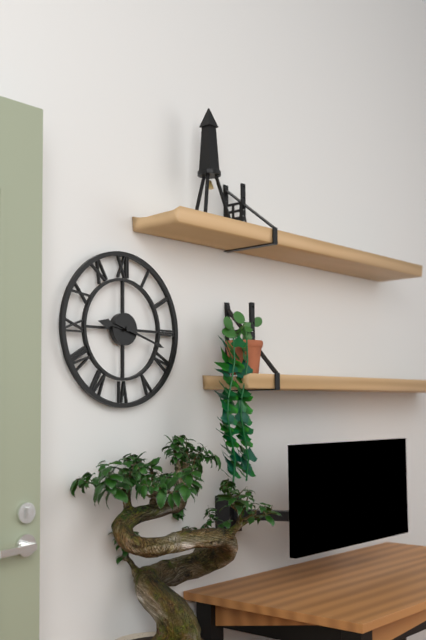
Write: 9:18
